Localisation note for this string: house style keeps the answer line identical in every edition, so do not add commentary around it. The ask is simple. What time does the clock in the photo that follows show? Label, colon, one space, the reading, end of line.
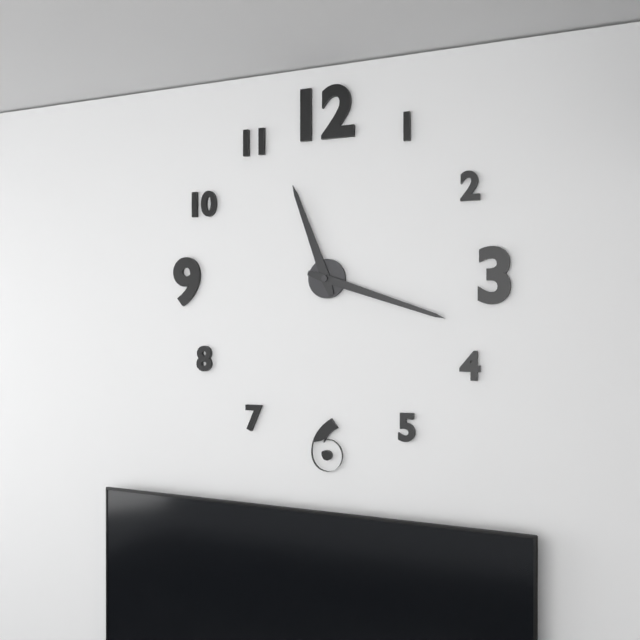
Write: 11:18
